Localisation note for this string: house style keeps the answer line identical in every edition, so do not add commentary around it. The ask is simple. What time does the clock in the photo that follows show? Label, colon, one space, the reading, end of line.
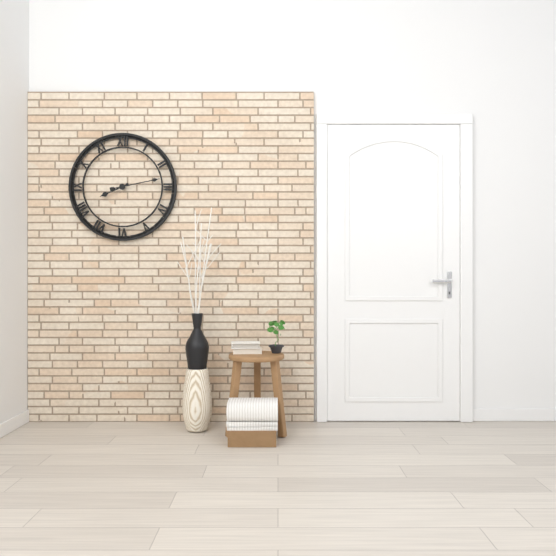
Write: 8:13
